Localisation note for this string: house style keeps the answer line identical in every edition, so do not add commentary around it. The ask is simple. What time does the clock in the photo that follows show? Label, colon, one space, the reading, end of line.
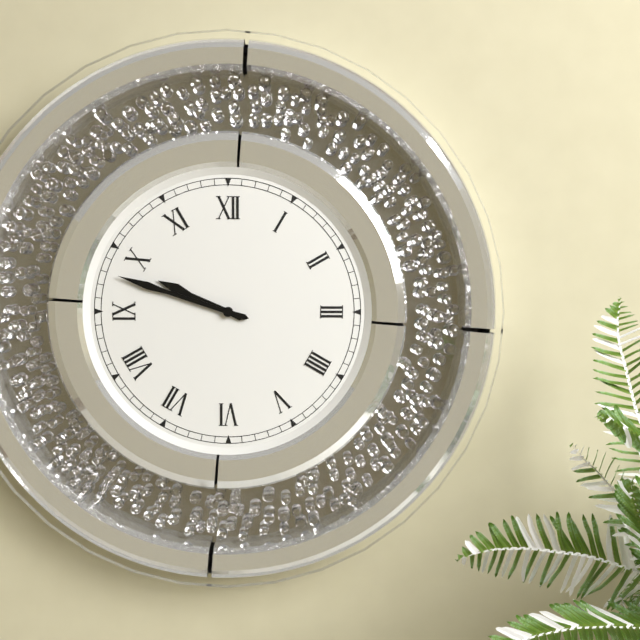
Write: 9:48
